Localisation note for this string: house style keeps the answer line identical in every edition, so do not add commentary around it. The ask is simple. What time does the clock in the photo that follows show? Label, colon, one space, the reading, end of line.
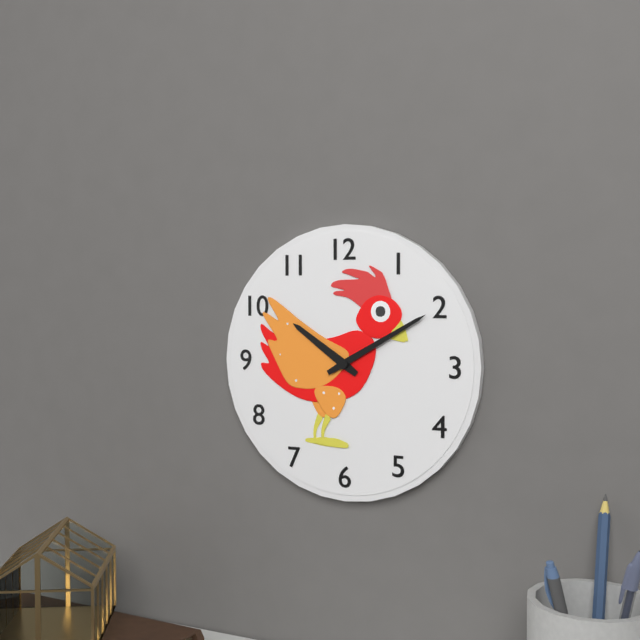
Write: 10:10
